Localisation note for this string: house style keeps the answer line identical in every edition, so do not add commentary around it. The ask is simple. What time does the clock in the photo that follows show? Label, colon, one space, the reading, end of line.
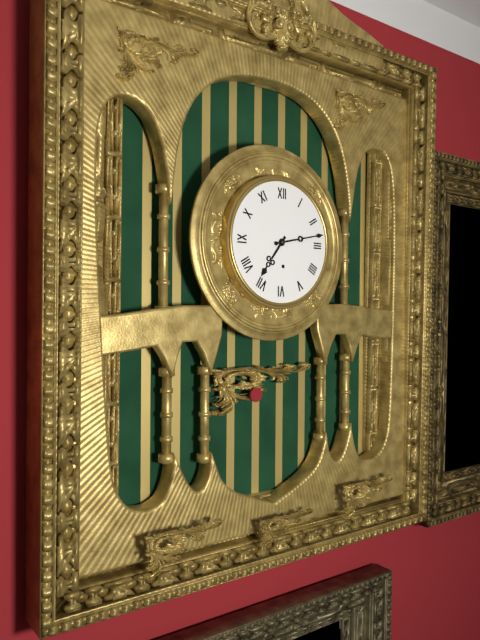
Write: 7:13
